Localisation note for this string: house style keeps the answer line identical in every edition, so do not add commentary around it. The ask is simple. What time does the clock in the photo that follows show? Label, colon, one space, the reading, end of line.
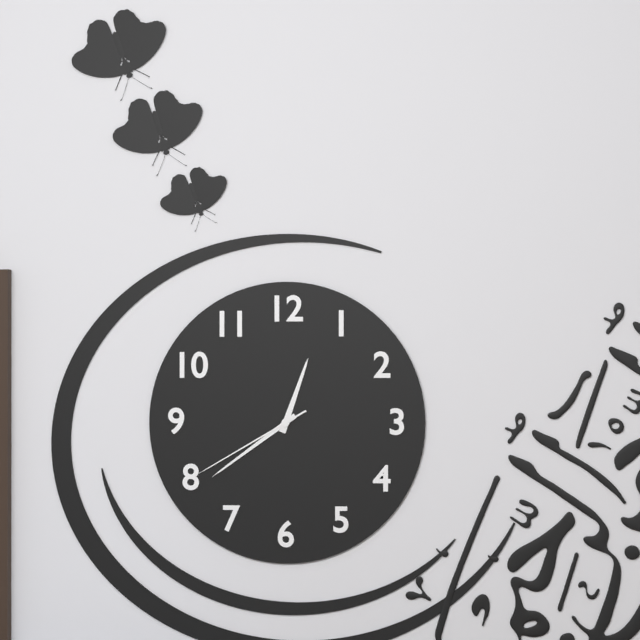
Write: 12:39:40
